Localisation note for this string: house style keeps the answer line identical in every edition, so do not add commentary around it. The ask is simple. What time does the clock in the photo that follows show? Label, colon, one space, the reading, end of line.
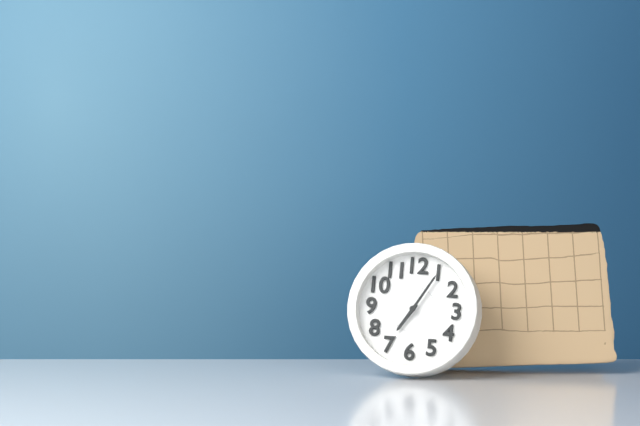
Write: 7:05
